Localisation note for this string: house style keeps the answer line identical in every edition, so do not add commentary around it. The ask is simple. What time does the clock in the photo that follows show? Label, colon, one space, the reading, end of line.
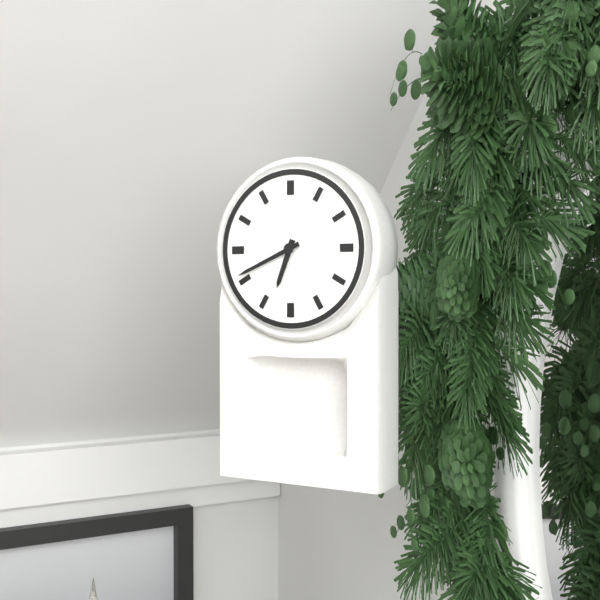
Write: 6:41
